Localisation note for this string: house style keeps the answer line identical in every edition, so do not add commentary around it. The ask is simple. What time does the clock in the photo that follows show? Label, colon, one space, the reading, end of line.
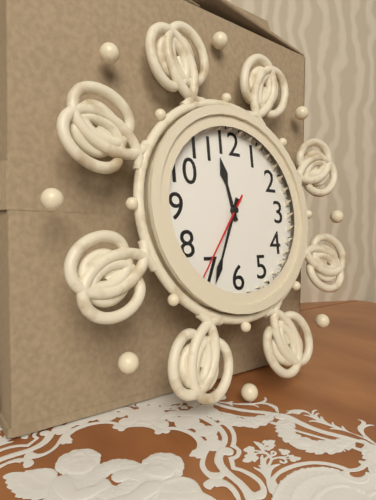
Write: 11:34:36
